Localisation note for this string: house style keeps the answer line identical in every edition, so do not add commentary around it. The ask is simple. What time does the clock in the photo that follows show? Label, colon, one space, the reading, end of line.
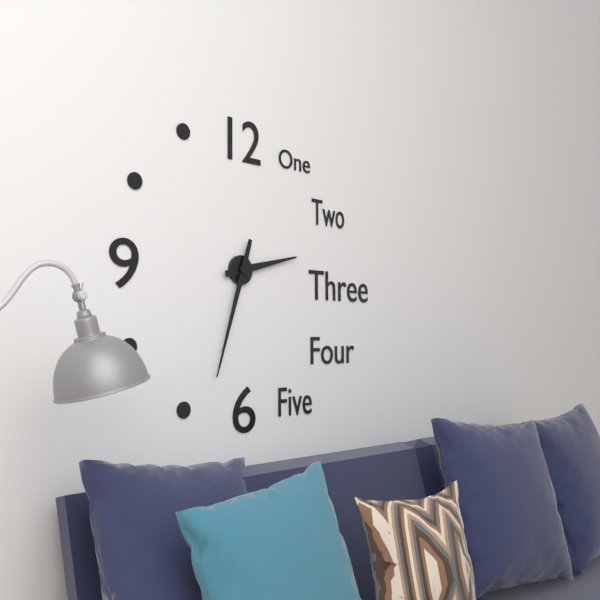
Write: 2:33
